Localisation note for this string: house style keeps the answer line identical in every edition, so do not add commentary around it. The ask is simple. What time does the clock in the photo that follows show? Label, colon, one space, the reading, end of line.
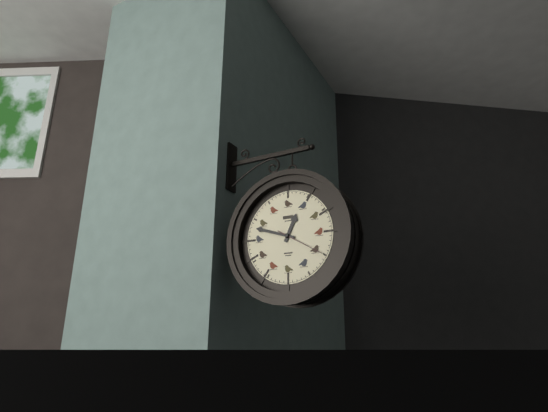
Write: 12:48
